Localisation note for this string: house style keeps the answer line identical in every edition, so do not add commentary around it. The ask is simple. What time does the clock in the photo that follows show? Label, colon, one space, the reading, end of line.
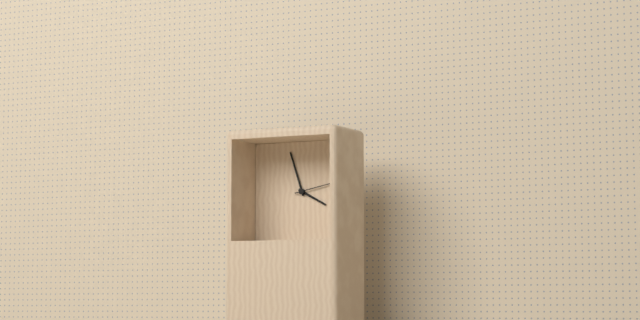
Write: 3:57
